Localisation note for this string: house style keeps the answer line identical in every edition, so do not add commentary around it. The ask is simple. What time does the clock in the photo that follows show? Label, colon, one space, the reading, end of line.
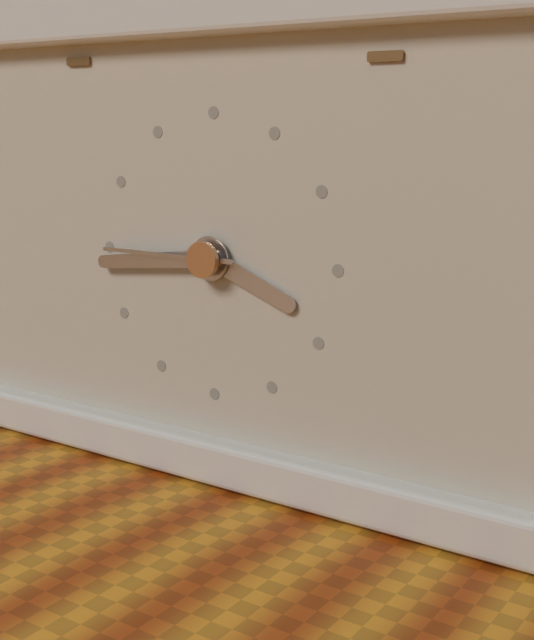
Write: 3:44:45
